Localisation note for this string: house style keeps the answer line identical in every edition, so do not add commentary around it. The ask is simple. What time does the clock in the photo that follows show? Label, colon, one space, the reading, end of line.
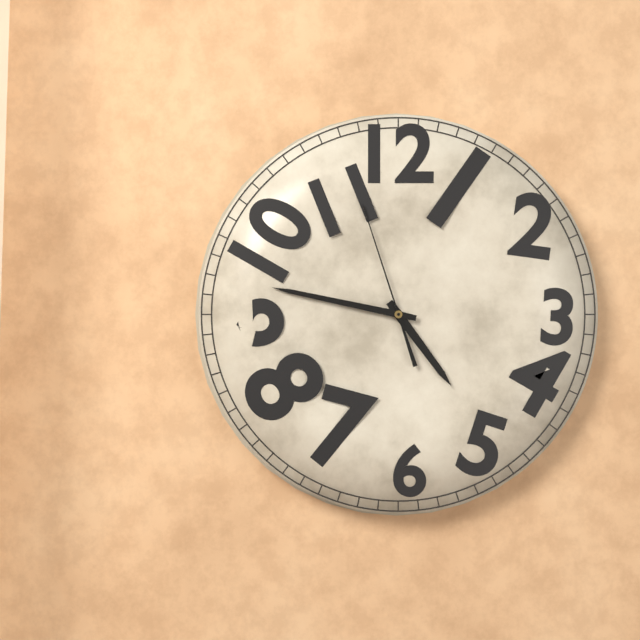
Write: 4:47:57
